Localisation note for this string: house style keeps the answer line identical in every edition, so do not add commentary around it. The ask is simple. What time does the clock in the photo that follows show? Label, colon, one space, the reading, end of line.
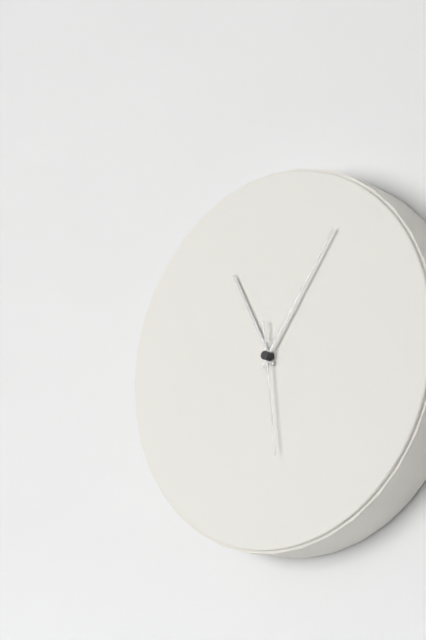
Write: 11:06:29
